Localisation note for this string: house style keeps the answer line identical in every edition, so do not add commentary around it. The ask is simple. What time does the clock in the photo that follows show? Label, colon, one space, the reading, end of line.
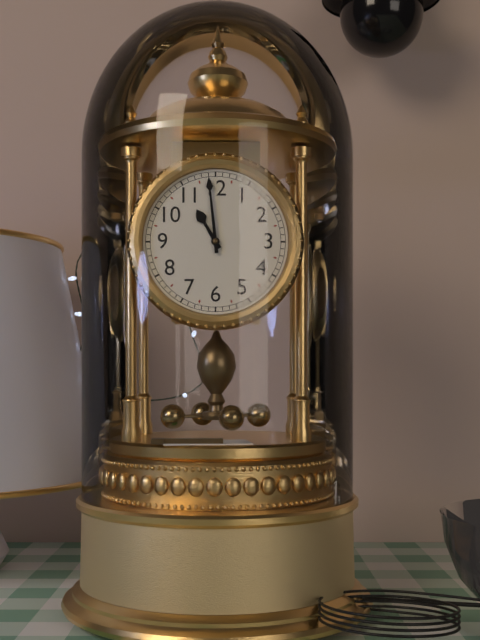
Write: 10:59
